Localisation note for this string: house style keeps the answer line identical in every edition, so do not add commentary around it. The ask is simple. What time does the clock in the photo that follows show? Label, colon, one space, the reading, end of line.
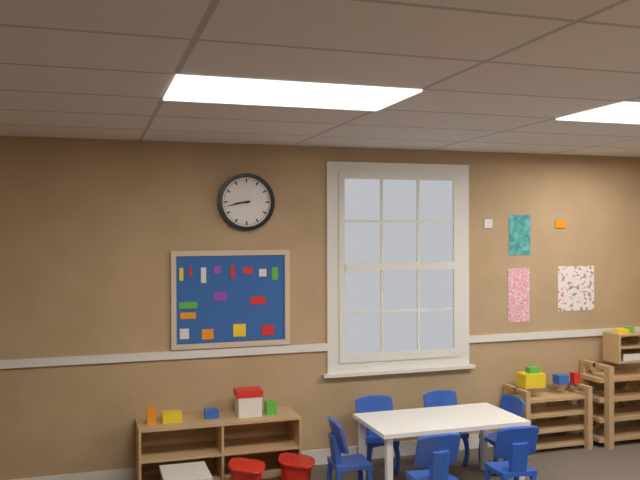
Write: 8:43
